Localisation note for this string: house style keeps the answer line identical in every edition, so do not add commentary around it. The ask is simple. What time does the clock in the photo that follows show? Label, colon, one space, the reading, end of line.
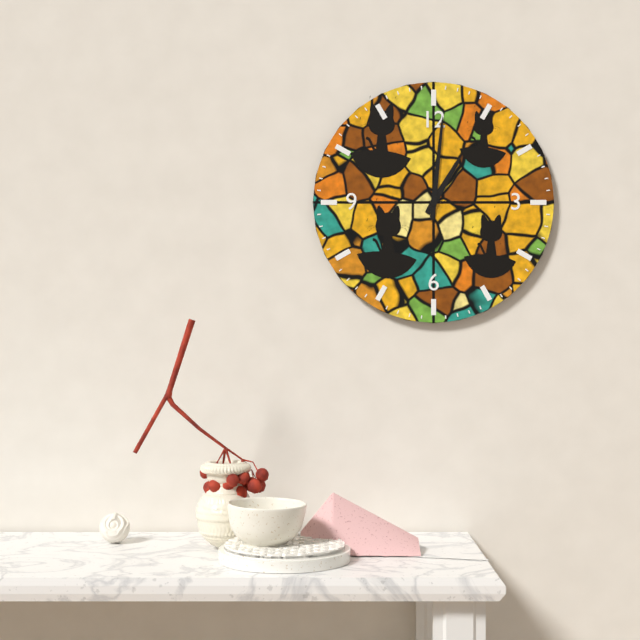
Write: 1:01
